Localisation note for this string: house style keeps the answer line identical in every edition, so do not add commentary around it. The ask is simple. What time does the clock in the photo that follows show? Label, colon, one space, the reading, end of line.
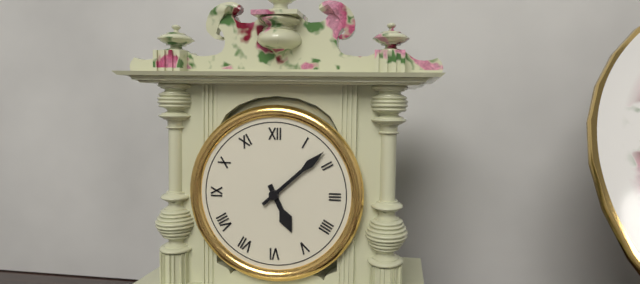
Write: 5:08
